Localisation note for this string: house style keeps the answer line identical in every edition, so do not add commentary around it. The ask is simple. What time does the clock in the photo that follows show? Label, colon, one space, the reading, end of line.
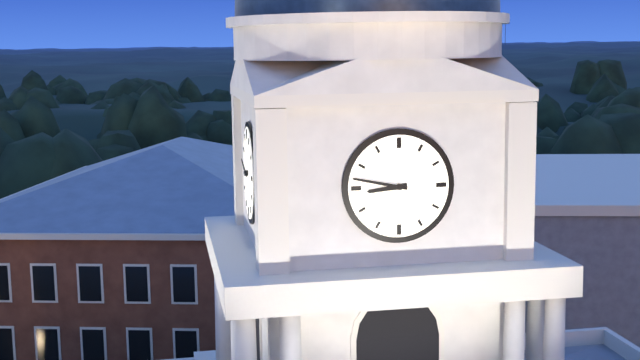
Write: 8:47
